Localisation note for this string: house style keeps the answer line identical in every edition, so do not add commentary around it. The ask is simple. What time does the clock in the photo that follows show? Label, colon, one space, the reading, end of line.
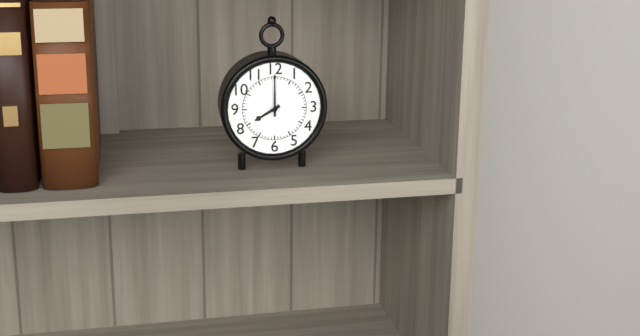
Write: 8:00
